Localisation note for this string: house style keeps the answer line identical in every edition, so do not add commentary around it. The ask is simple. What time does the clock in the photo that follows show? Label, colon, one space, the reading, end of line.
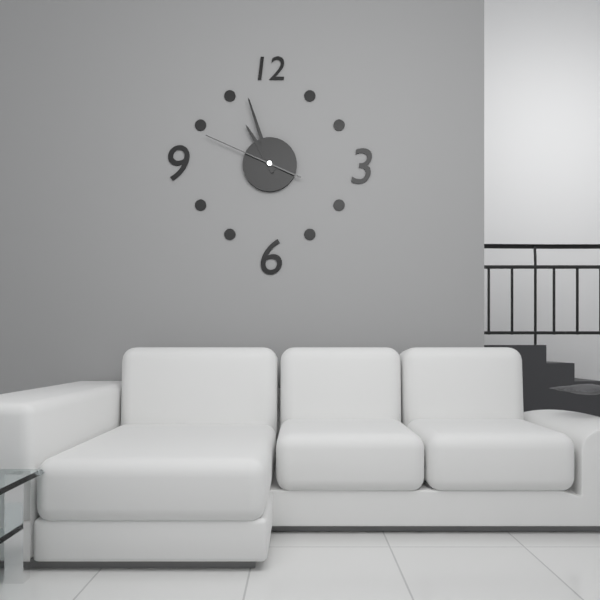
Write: 10:57:49
